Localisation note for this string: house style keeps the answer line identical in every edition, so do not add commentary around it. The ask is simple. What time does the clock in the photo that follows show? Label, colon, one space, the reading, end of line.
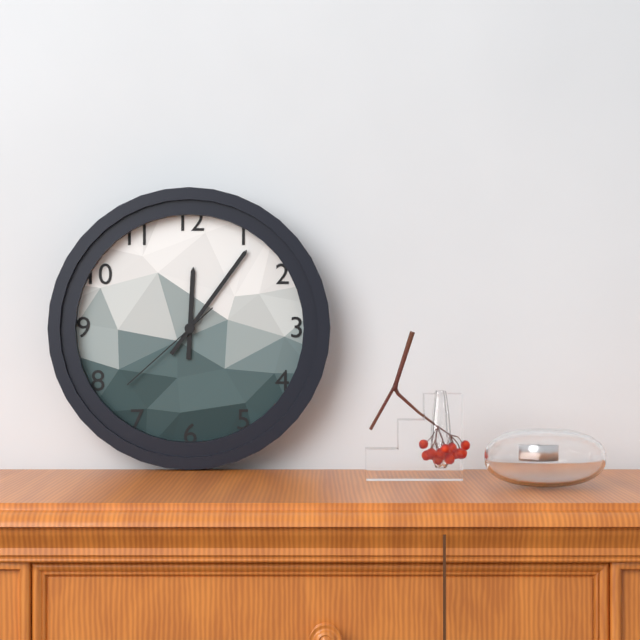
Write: 12:06:38
